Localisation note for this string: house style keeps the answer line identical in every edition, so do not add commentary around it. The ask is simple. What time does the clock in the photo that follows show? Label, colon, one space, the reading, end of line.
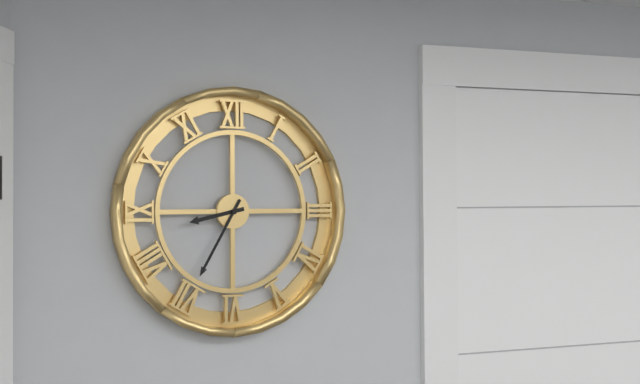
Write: 8:35
